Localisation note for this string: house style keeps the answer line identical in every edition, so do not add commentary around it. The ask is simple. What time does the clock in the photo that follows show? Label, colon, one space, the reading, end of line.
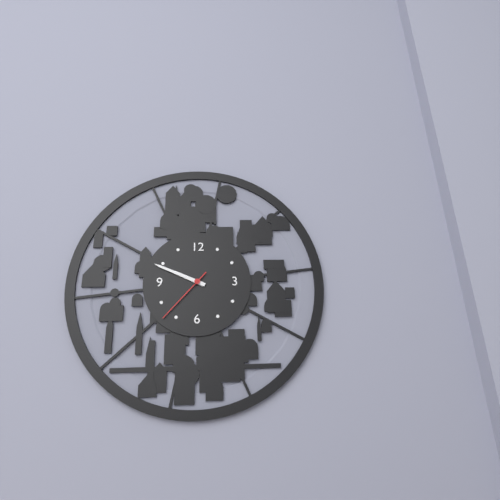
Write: 9:49:37
